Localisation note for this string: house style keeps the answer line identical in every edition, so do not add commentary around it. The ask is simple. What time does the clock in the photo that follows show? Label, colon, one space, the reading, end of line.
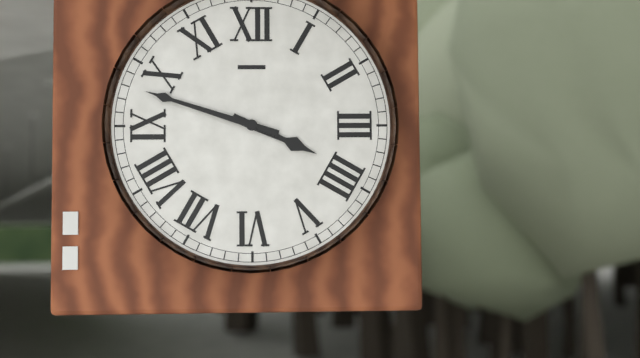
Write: 3:48
